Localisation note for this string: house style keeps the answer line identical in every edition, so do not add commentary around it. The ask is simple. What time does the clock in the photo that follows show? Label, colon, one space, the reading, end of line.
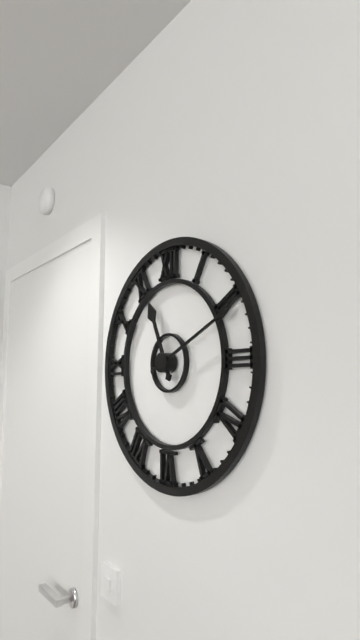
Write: 11:11
